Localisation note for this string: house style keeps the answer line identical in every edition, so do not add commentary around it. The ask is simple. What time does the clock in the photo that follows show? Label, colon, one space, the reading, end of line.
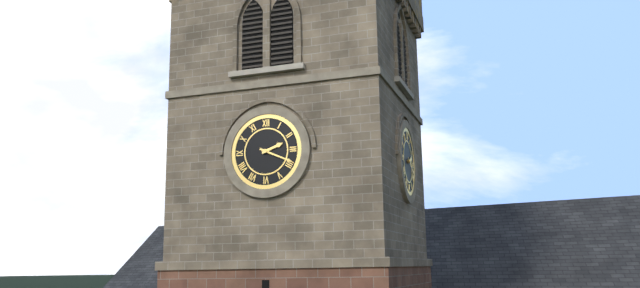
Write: 2:19
